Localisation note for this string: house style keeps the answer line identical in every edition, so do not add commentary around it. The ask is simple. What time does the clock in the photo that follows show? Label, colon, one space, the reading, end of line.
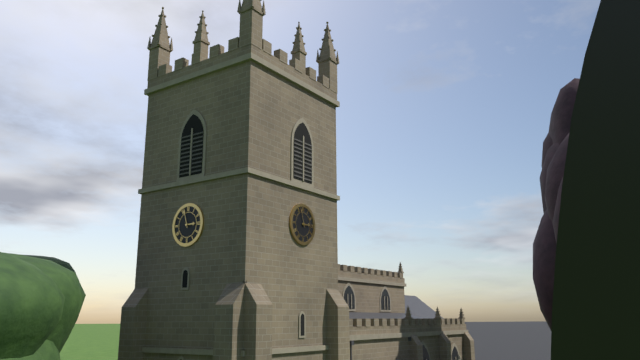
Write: 2:57
